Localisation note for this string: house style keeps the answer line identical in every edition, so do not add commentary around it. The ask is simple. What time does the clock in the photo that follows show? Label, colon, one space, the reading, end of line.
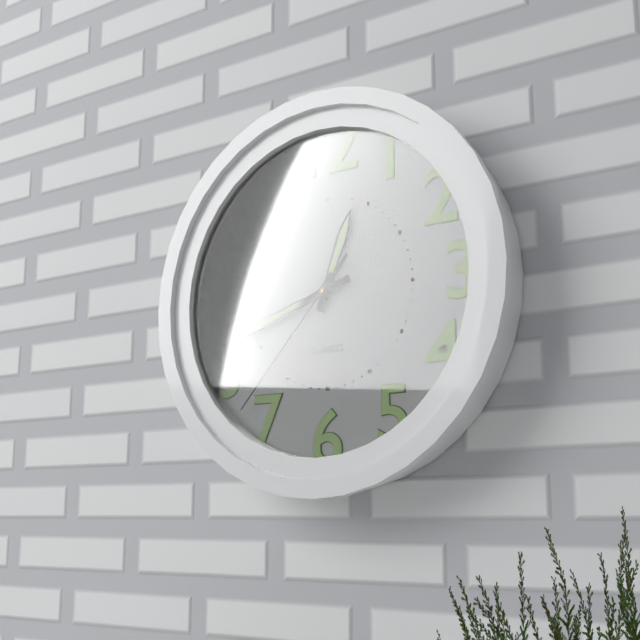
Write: 12:42:37
